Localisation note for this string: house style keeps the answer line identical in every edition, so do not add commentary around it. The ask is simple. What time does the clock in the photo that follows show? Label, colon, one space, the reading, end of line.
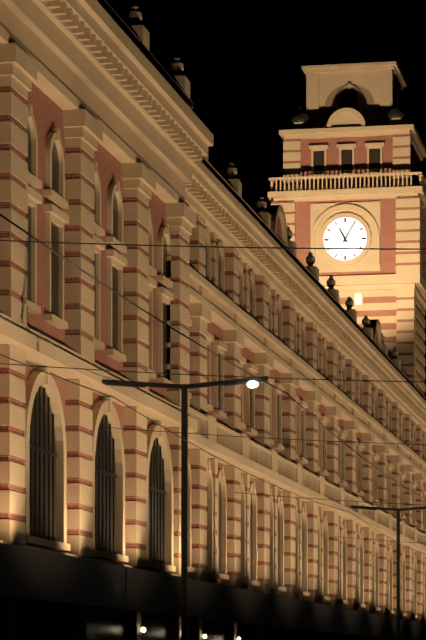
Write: 11:05
